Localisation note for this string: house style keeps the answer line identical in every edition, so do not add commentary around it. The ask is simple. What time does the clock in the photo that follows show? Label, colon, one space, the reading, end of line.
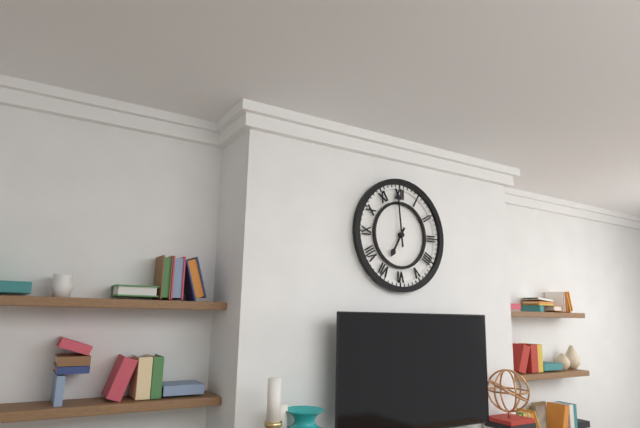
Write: 6:59
